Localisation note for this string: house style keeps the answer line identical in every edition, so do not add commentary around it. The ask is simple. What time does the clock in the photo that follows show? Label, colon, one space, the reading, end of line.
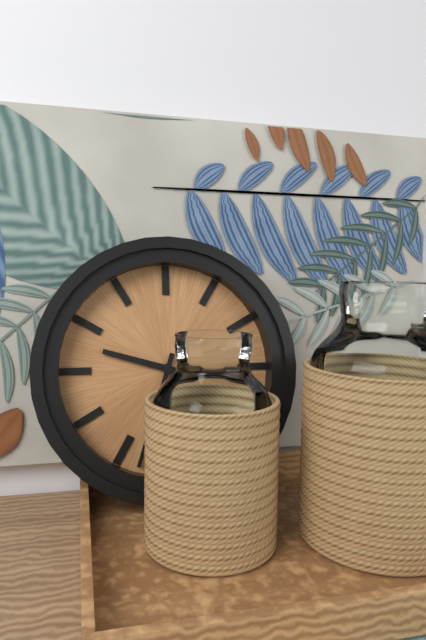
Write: 9:33
